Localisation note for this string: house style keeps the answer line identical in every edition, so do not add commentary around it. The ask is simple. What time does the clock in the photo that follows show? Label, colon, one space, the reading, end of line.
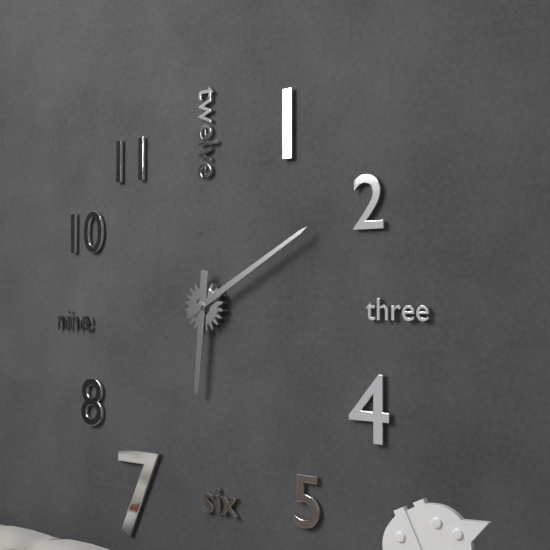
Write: 6:10
